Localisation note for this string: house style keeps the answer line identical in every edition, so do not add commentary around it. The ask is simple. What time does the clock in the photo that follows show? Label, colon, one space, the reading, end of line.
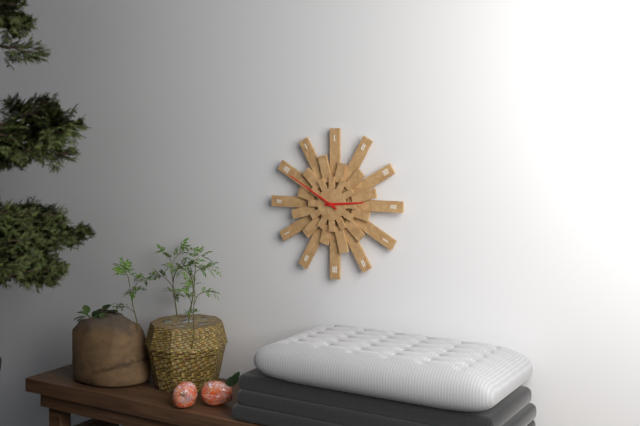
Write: 2:50
